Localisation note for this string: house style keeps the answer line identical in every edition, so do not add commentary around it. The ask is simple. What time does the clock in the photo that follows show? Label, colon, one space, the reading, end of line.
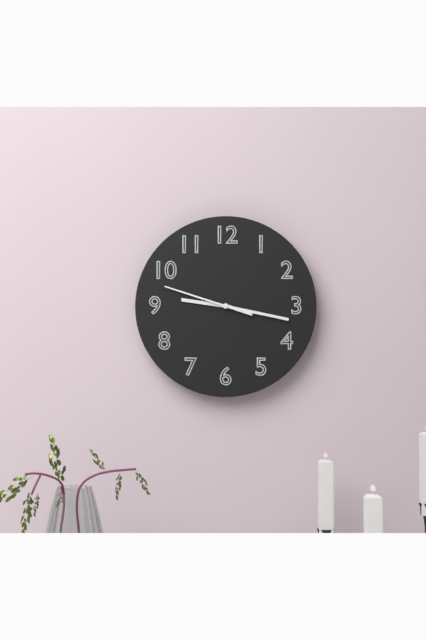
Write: 9:17:48
